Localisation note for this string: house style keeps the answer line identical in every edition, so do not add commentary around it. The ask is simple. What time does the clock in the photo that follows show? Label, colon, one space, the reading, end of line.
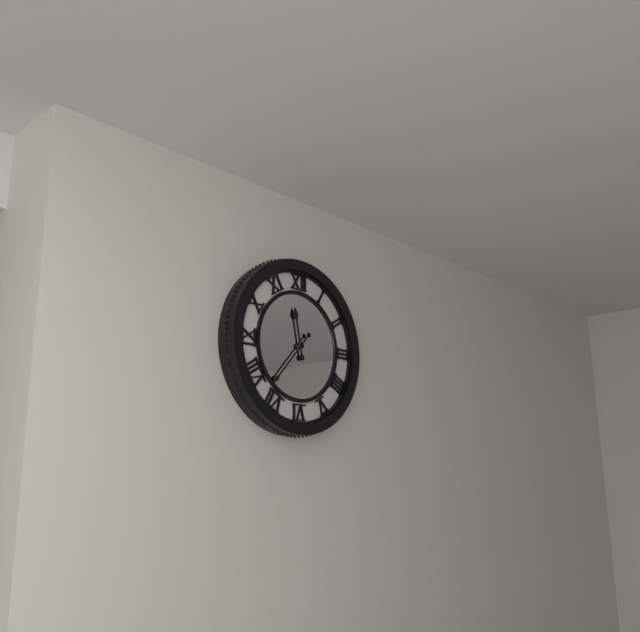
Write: 11:37
